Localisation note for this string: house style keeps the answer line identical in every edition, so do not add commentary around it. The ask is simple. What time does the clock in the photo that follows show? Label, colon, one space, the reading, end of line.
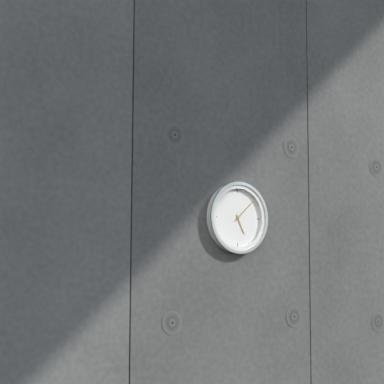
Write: 5:08
